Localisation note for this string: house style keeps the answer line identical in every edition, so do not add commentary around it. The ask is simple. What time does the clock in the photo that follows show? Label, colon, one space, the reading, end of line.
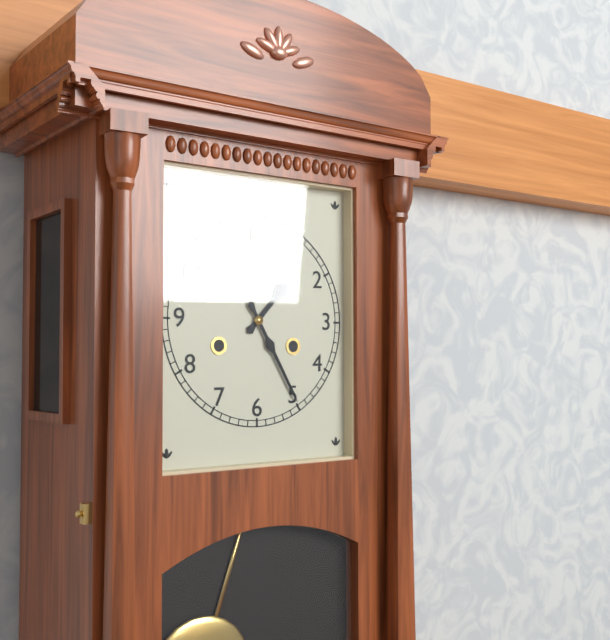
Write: 1:25
